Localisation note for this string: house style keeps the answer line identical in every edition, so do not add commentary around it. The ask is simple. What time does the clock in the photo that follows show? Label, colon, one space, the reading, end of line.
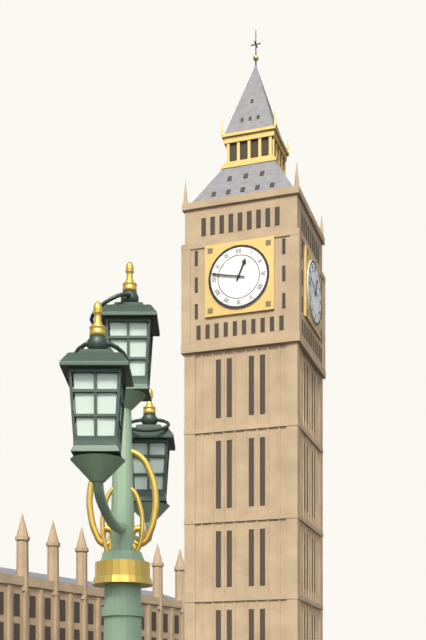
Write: 12:47
